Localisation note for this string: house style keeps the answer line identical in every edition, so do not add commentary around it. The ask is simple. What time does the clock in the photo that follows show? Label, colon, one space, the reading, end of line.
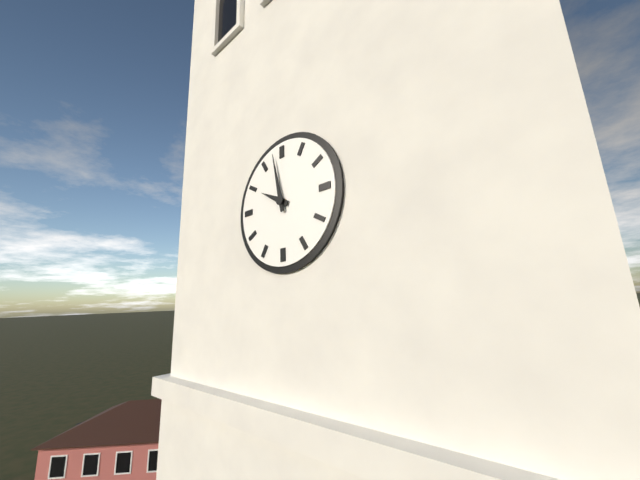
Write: 9:58
